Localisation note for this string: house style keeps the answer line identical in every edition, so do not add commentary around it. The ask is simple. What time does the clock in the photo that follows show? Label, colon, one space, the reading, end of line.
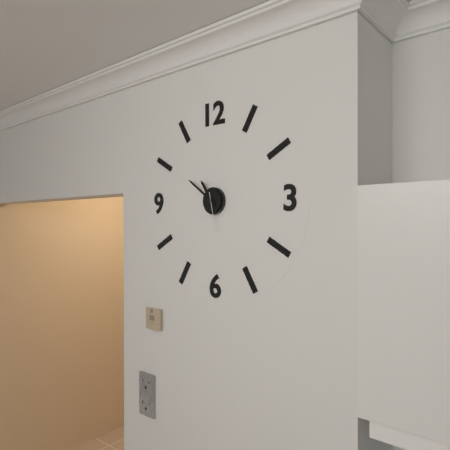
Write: 10:51
